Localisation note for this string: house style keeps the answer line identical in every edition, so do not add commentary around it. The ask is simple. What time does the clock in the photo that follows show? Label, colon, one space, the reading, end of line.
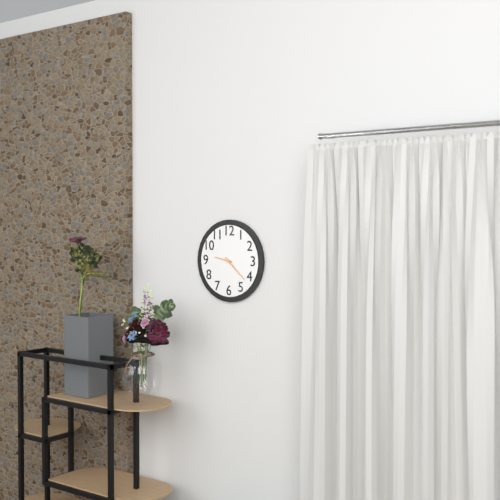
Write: 9:22
